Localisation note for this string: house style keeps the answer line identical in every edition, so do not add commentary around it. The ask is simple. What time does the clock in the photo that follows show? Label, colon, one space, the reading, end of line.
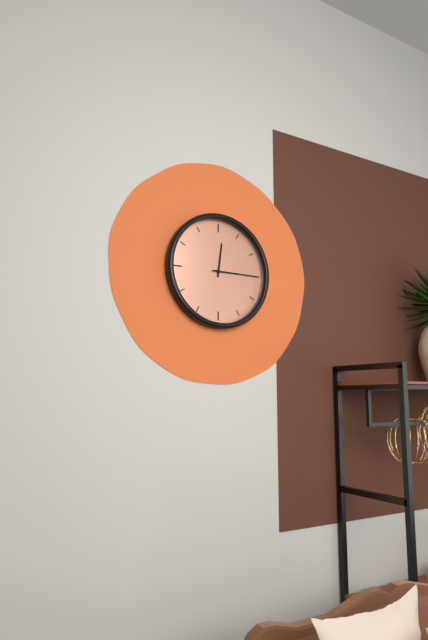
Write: 12:15
